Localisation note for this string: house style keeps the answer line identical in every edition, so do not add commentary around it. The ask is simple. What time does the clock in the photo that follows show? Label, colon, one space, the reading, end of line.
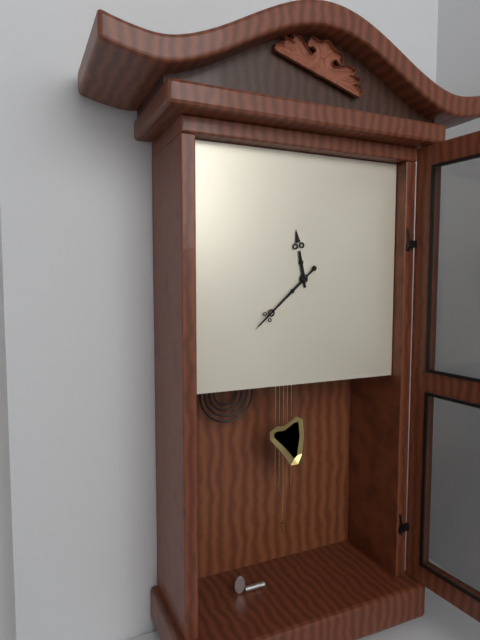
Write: 11:38
